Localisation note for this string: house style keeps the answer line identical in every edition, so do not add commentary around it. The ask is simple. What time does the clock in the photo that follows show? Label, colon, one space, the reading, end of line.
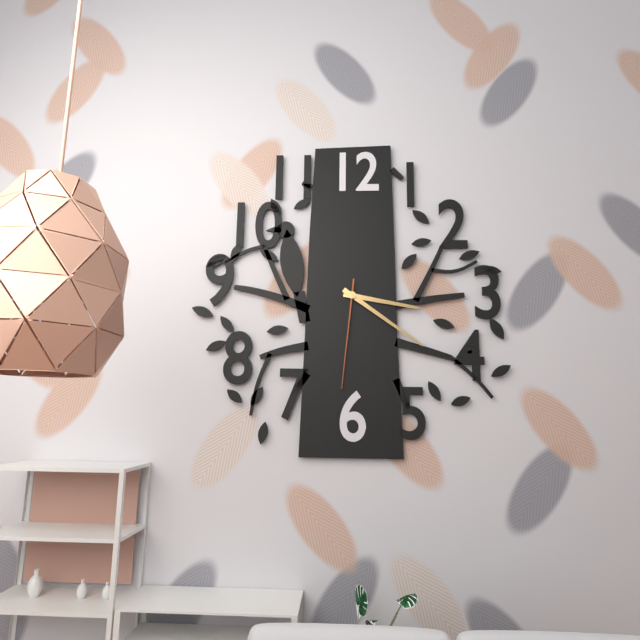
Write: 3:21:31
